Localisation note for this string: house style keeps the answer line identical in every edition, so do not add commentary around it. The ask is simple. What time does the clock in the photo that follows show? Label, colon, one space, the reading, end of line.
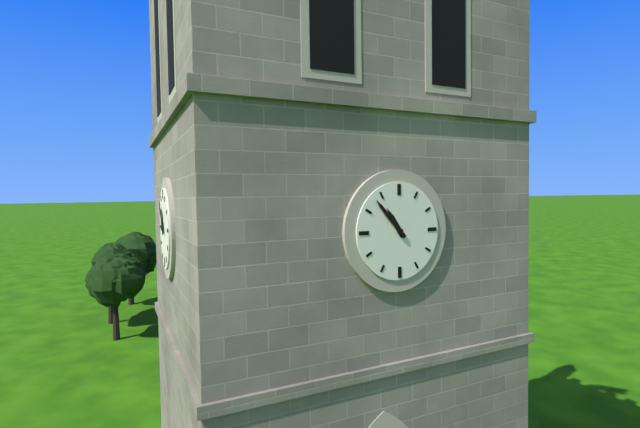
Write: 10:53
